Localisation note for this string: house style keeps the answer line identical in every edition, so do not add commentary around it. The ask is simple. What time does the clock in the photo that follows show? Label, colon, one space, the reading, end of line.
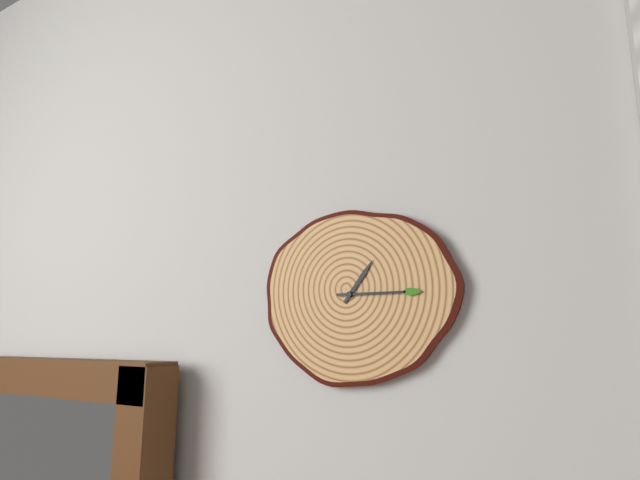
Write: 1:15
